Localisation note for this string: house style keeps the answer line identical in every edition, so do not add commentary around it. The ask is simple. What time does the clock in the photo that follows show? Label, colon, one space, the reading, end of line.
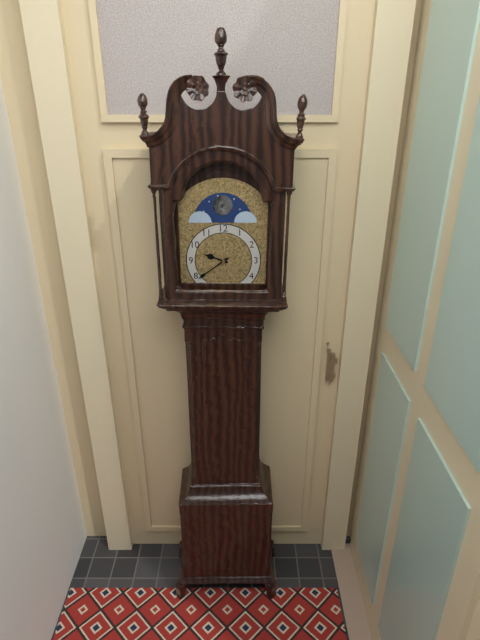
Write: 9:39
